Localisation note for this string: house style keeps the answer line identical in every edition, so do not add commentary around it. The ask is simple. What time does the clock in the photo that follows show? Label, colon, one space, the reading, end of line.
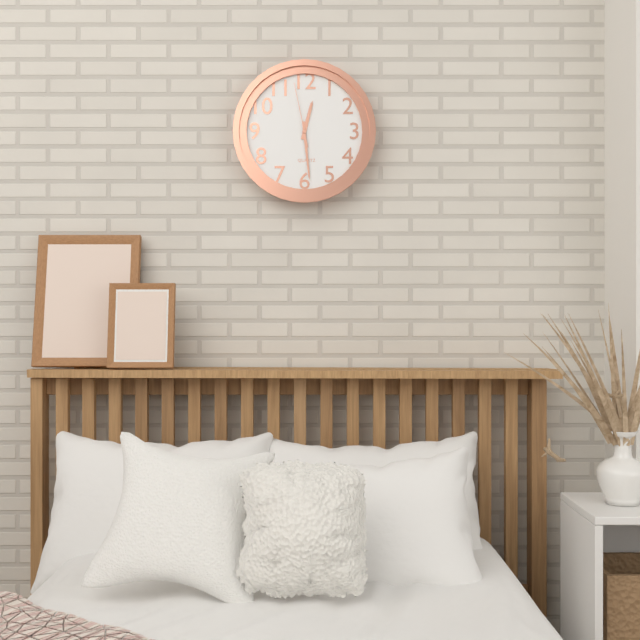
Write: 12:29:58
